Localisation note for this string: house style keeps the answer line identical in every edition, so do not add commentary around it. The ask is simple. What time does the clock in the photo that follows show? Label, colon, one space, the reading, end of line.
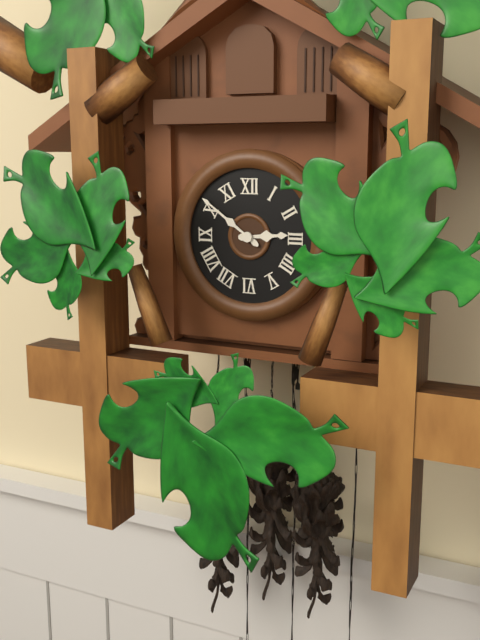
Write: 2:51
